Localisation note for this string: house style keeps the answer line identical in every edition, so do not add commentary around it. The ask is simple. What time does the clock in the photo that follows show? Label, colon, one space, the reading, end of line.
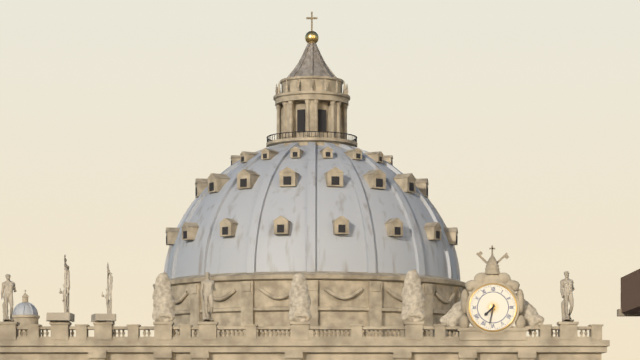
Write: 7:32
